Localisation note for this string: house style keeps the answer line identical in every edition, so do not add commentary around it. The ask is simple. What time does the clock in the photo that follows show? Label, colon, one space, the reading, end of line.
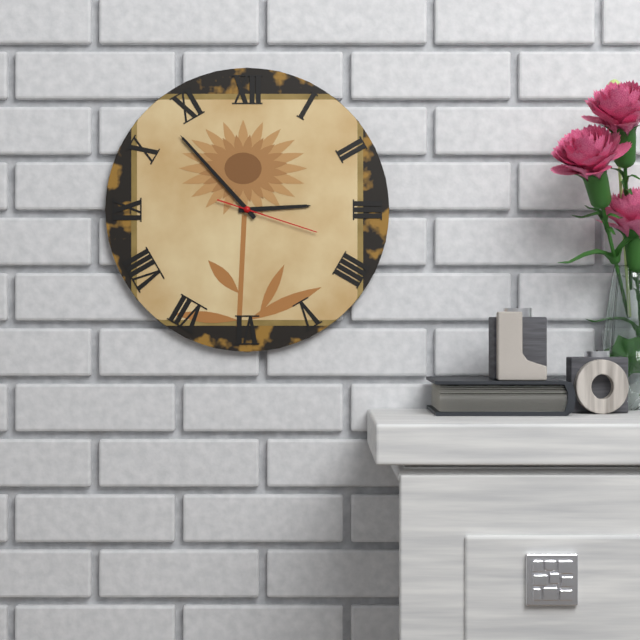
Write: 2:53:18
